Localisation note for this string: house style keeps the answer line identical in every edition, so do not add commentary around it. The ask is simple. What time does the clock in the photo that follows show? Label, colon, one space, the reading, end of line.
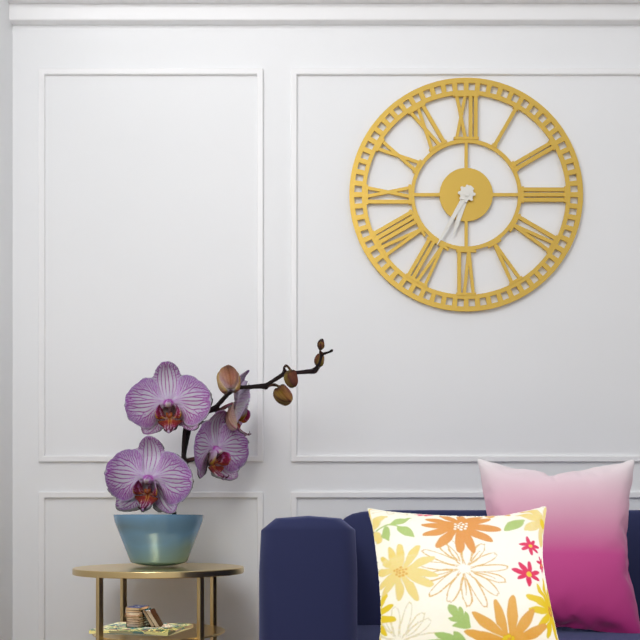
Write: 6:35
